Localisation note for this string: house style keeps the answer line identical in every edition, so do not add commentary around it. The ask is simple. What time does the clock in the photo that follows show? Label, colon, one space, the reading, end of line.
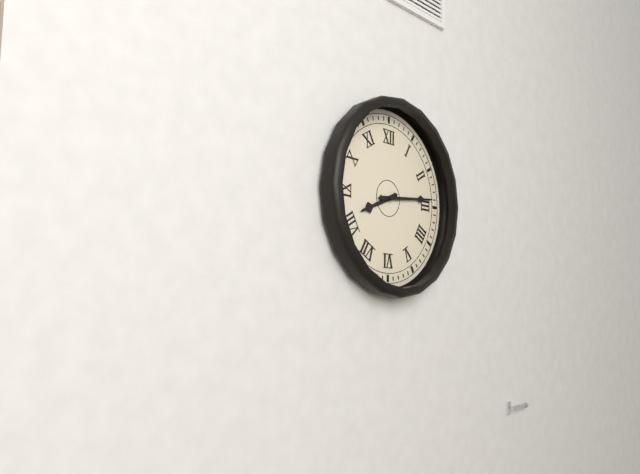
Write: 8:14
